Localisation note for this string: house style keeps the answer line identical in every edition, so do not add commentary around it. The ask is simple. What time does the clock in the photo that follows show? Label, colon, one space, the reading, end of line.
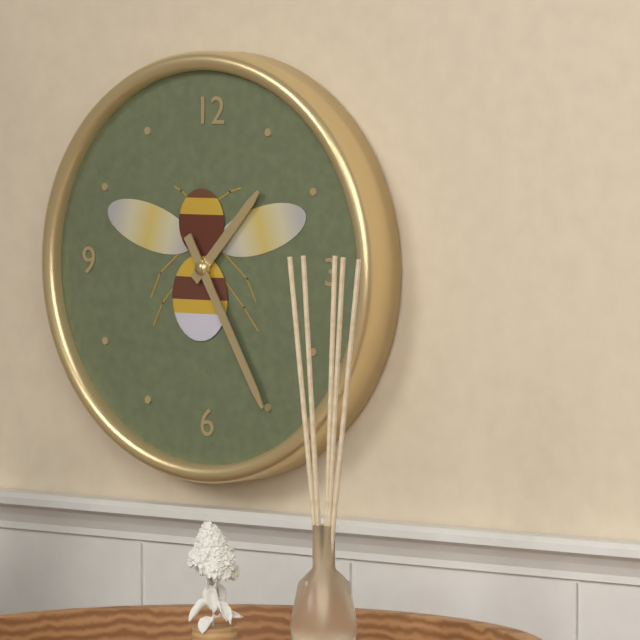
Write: 1:25
